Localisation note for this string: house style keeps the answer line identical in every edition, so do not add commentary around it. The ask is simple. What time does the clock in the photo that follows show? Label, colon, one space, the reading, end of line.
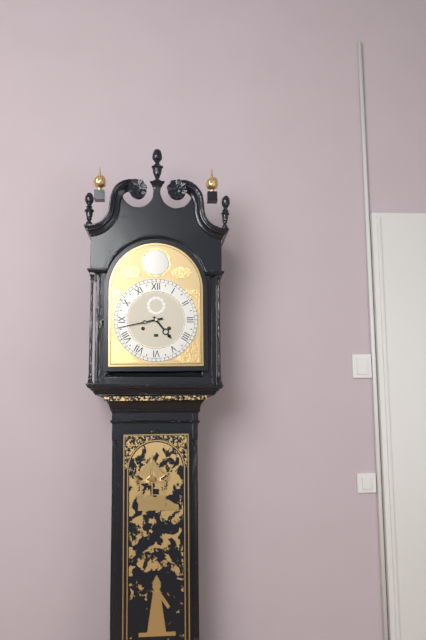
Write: 4:43
